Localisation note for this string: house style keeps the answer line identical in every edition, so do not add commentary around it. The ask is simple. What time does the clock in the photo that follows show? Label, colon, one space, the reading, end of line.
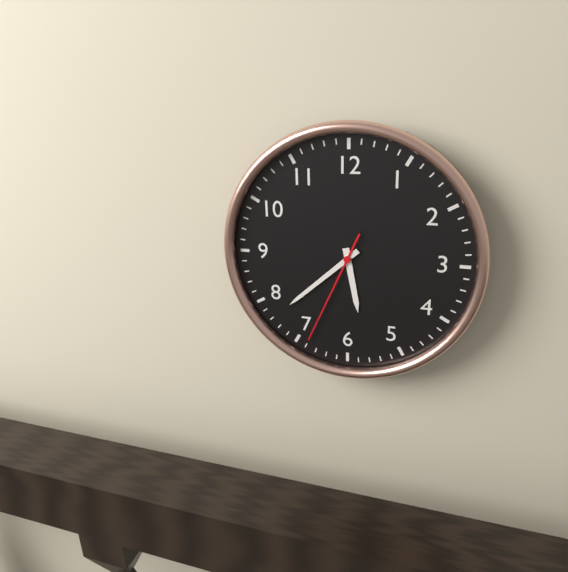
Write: 5:38:34
